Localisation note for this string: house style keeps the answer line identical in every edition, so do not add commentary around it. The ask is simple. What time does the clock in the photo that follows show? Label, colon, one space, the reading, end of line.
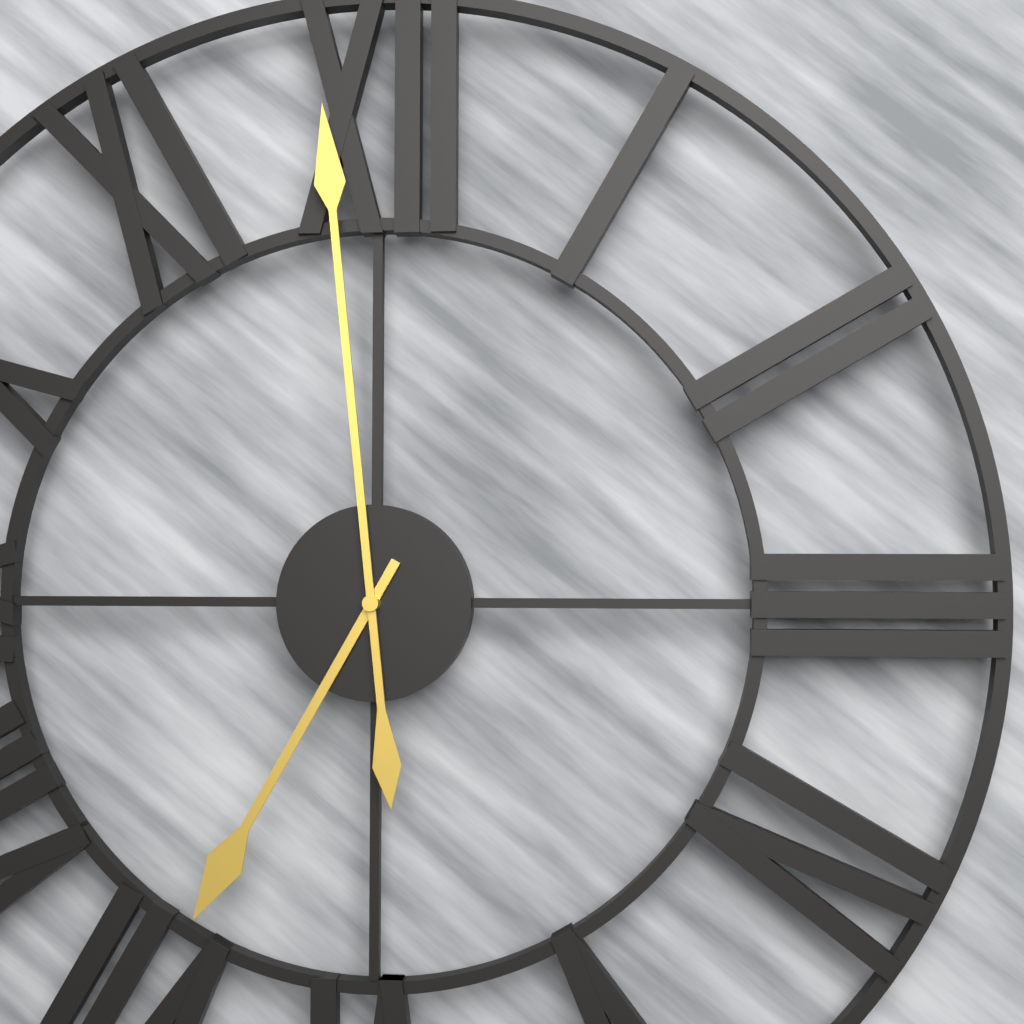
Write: 6:59
